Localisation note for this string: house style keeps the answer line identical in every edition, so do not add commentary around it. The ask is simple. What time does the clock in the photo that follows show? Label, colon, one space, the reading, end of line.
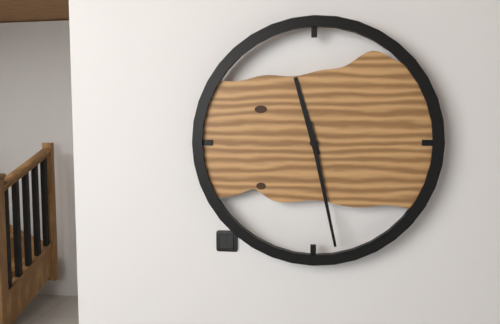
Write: 11:28
